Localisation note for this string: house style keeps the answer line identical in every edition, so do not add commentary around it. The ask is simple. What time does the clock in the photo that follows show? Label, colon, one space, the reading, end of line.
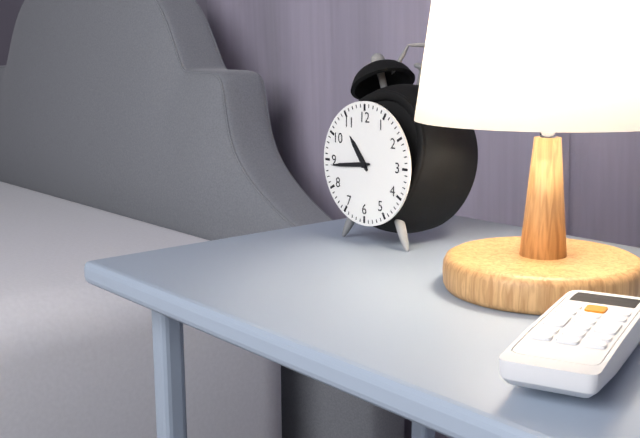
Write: 10:44
